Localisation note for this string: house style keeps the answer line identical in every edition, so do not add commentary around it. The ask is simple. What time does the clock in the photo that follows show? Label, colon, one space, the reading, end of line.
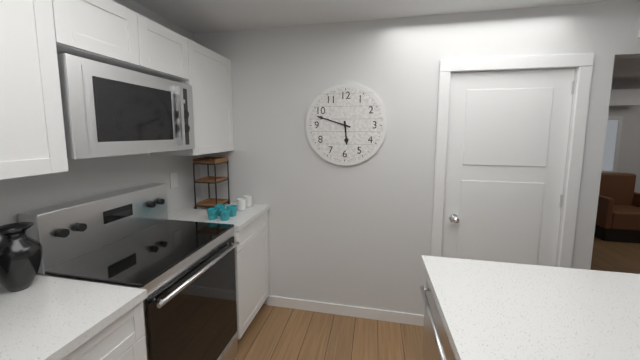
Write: 5:48
